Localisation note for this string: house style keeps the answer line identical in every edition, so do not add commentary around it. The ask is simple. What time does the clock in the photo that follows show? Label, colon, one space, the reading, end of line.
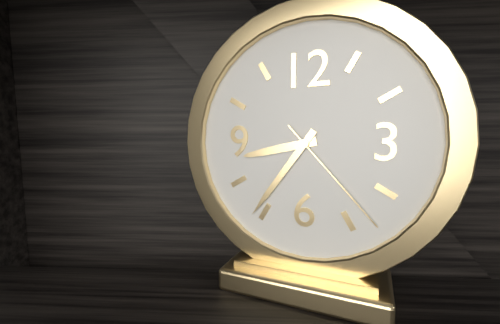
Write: 8:36:23
